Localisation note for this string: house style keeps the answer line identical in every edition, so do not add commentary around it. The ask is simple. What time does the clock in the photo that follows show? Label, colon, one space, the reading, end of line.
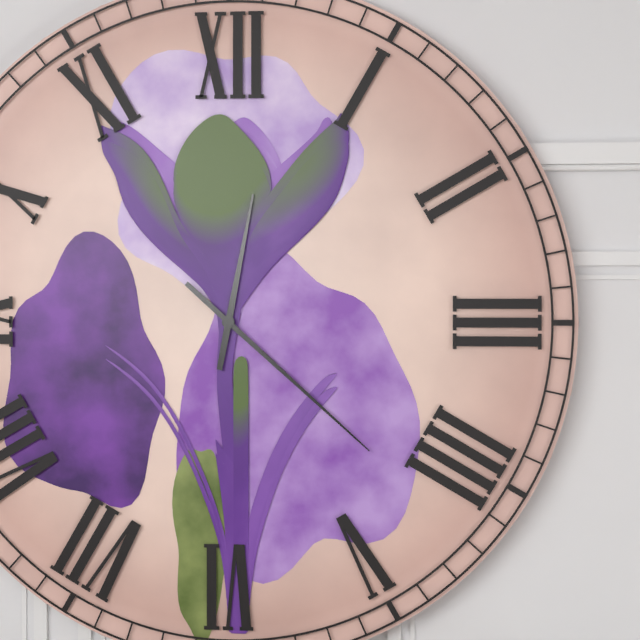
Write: 12:22
